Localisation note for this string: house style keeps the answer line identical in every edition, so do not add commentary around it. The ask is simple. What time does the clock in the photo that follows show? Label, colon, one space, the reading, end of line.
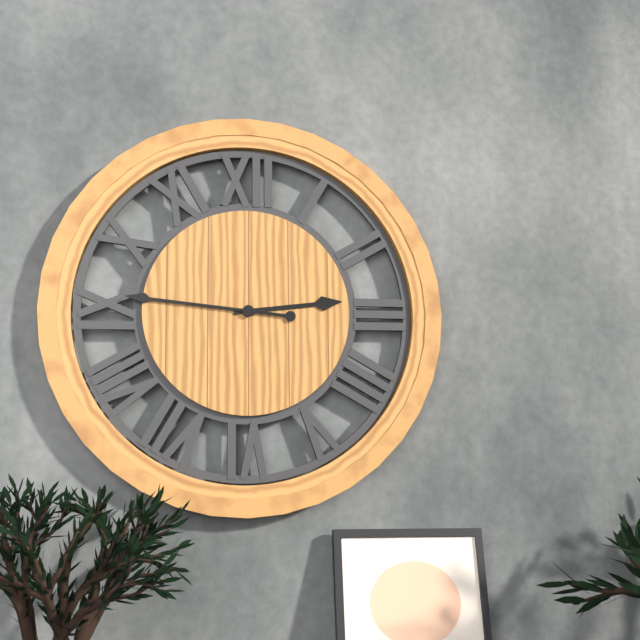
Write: 2:46
